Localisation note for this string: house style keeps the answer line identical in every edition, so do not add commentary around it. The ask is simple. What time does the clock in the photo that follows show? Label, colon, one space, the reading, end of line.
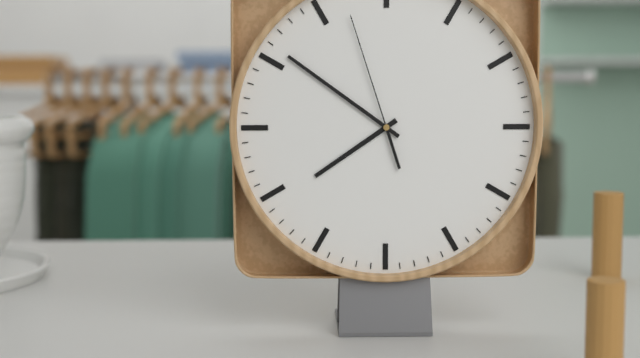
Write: 7:51:57
